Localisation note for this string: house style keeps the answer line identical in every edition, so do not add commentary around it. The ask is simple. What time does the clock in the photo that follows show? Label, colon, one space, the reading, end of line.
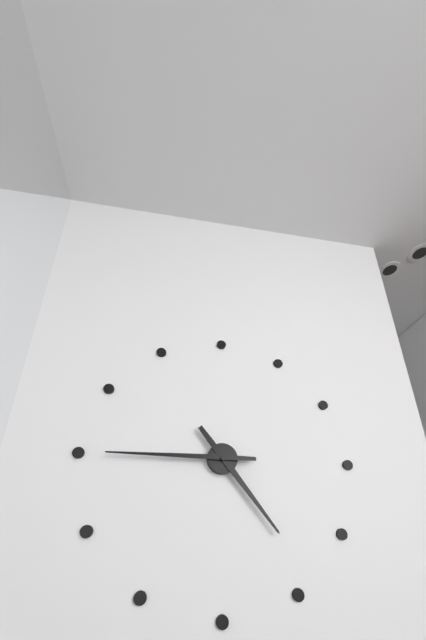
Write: 4:45
